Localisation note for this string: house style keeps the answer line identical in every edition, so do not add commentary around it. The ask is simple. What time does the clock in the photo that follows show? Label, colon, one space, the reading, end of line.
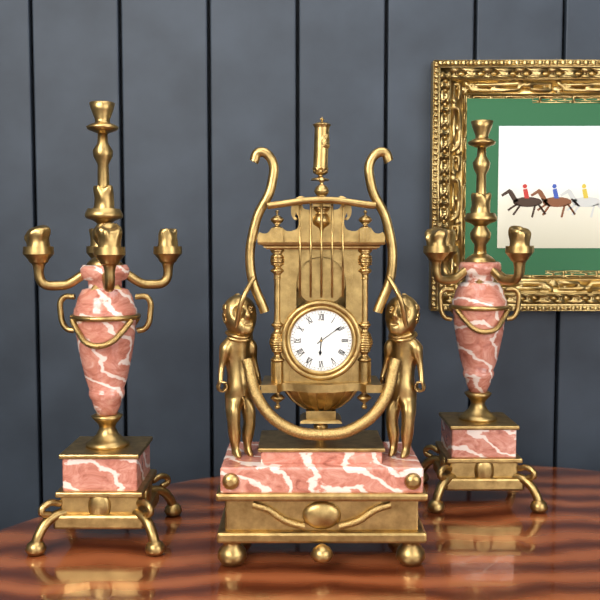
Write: 6:09
